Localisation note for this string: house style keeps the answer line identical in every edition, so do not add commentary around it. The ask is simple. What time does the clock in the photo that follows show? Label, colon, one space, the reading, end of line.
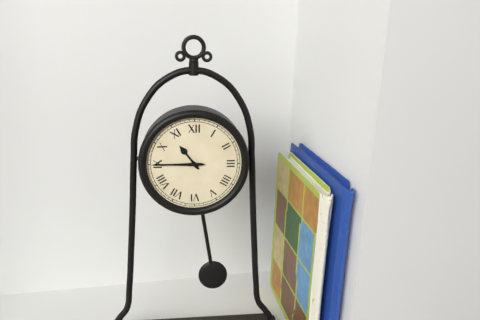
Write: 10:45
